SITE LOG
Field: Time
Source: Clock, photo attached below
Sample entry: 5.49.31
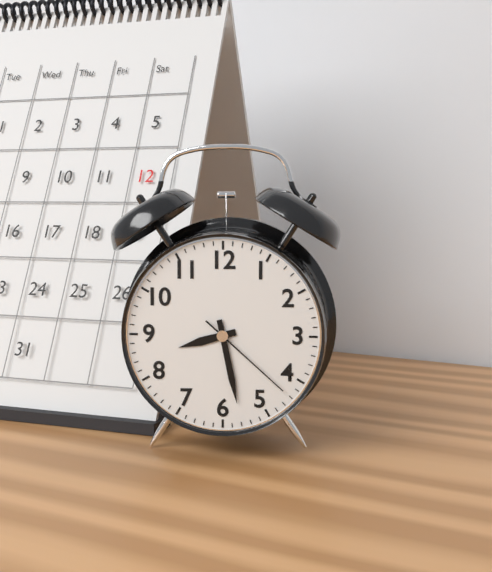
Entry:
8.28.22
